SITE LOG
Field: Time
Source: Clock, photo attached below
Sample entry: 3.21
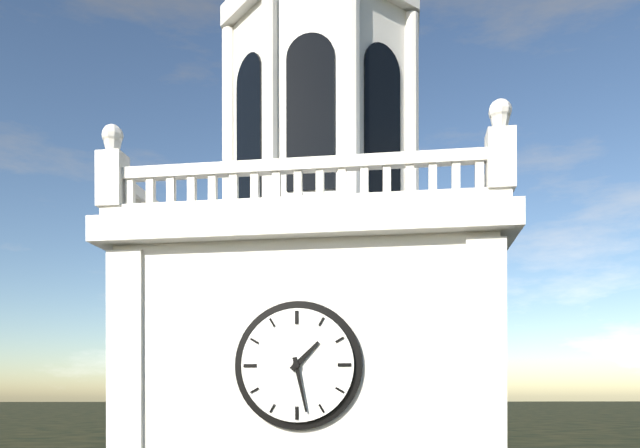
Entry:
1.28
